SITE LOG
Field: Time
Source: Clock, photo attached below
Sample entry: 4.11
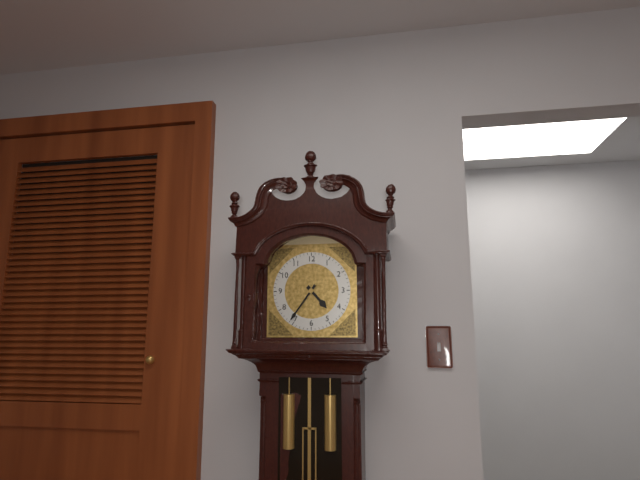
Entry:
4.36
